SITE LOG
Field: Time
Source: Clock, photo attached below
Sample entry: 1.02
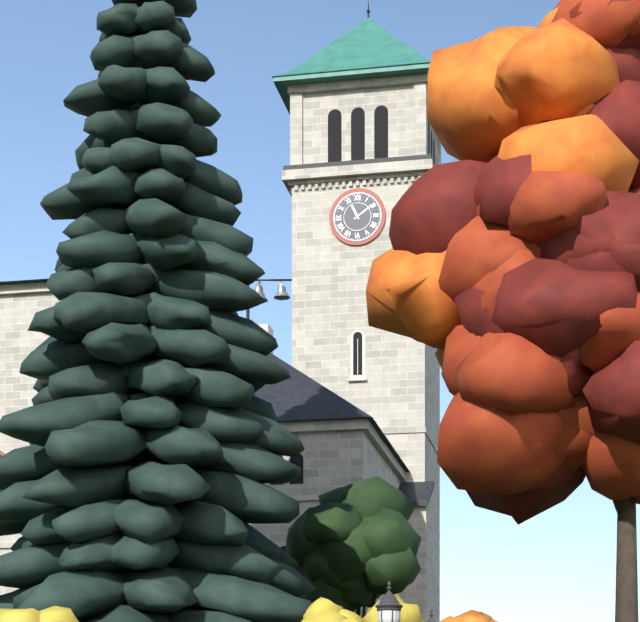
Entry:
11.09
